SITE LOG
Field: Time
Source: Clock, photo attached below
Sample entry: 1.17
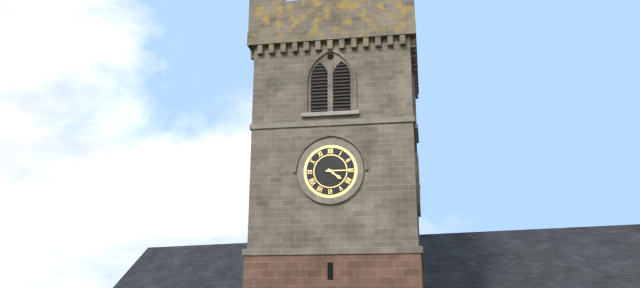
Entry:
4.15
